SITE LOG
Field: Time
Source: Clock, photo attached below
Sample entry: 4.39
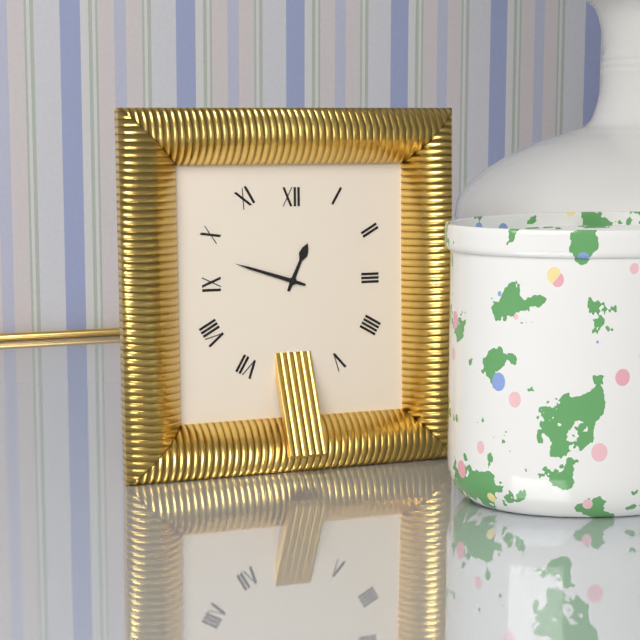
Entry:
12.48
